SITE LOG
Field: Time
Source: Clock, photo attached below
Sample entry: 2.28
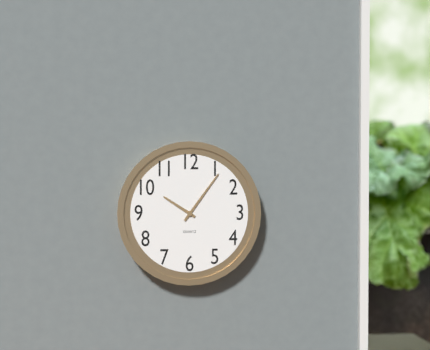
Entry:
10.06
